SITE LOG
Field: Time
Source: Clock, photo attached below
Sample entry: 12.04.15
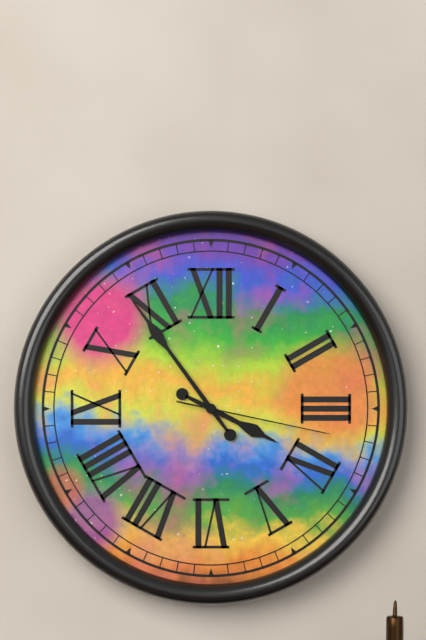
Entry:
3.54.17
